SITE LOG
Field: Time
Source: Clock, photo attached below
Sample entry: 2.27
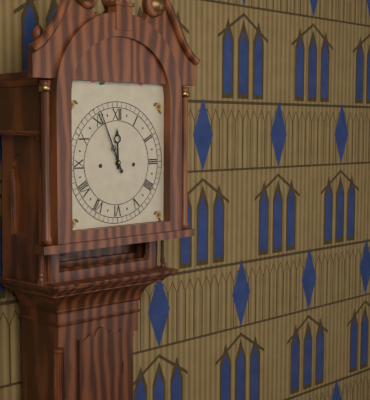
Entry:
11.56
